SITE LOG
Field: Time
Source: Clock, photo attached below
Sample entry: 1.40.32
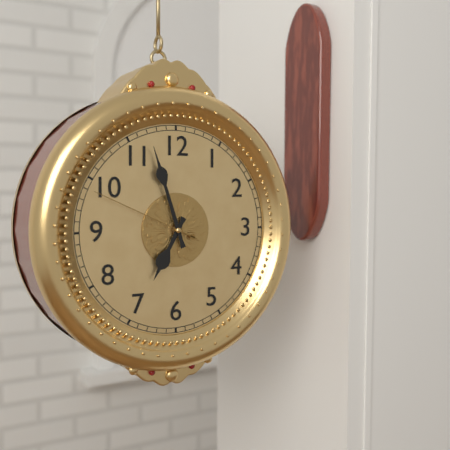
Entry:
6.57.49
